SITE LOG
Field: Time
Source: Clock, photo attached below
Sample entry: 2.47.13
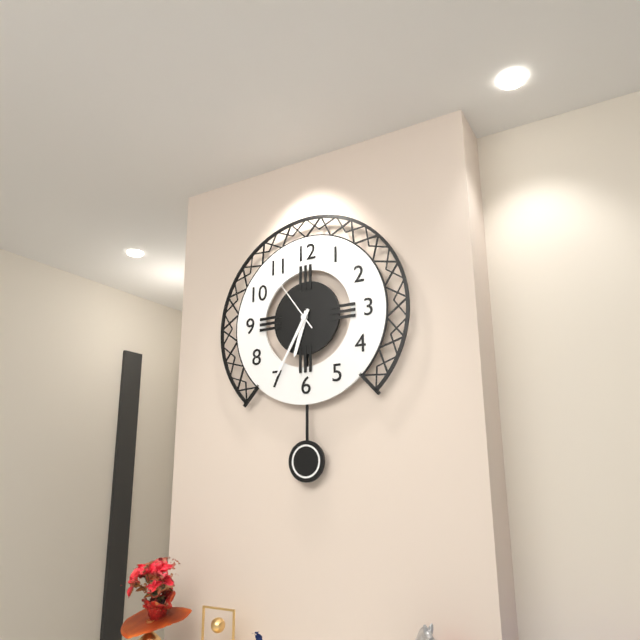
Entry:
6.35.54
